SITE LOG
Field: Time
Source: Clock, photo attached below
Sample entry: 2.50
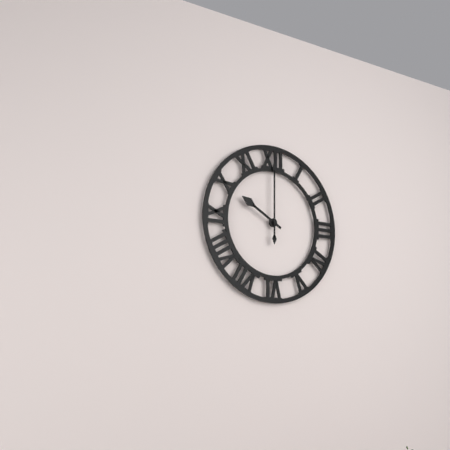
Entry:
10.00
